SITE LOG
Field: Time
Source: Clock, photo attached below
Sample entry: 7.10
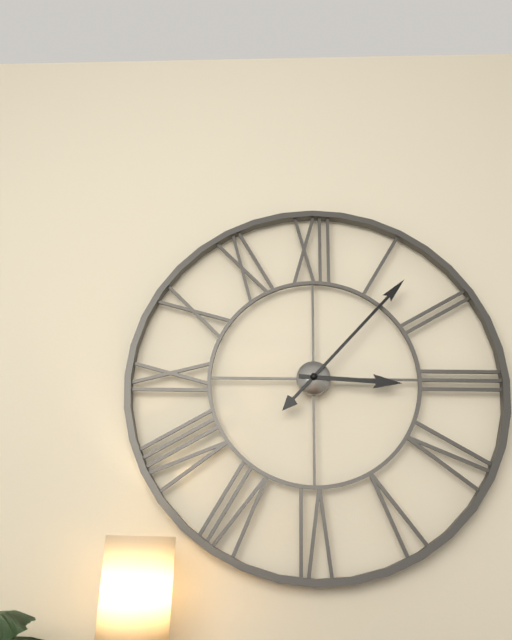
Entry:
3.07
